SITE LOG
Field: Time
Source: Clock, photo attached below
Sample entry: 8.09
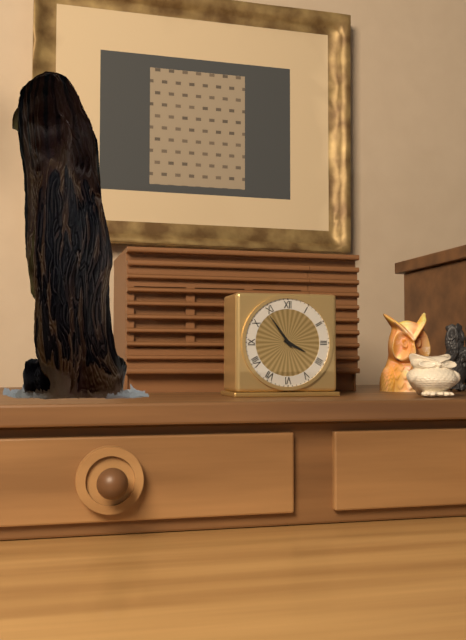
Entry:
3.54
